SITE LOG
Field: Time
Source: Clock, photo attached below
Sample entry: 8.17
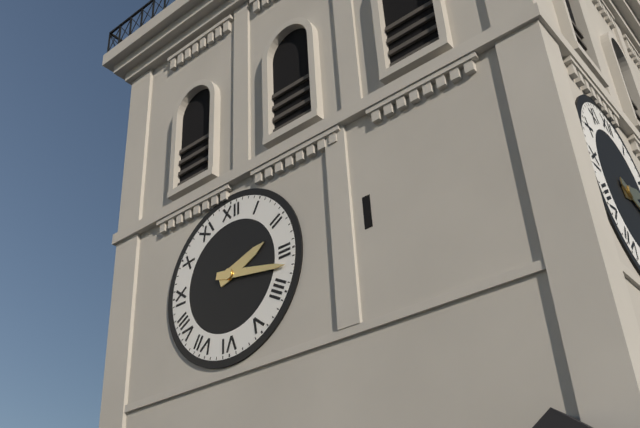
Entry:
2.17
